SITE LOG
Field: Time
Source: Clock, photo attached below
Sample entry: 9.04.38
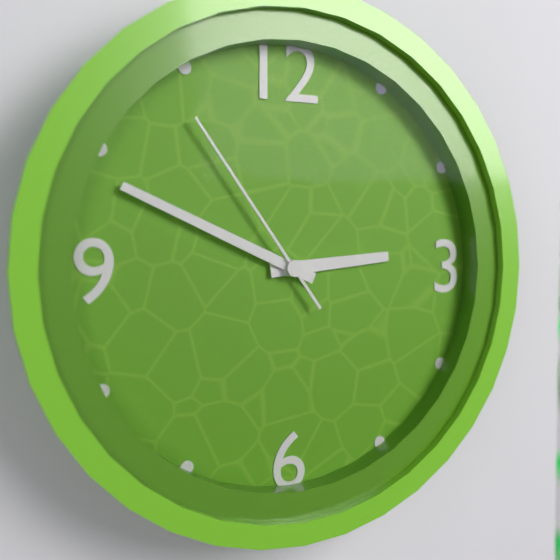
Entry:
2.49.54
